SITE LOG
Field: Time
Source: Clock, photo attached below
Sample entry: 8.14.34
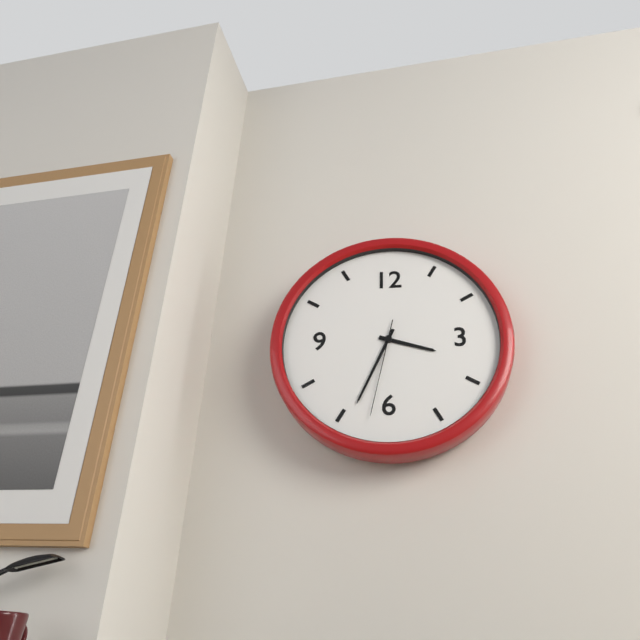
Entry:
3.34.32
